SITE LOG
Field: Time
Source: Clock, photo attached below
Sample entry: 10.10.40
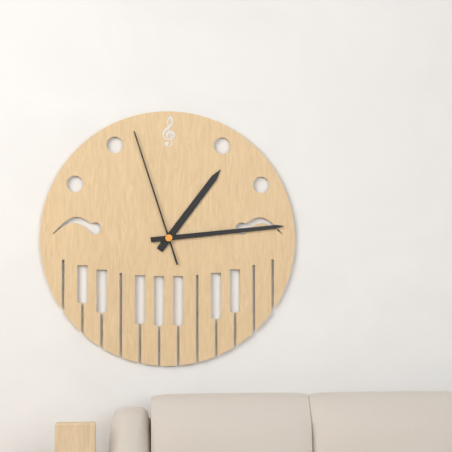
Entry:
1.14.57
